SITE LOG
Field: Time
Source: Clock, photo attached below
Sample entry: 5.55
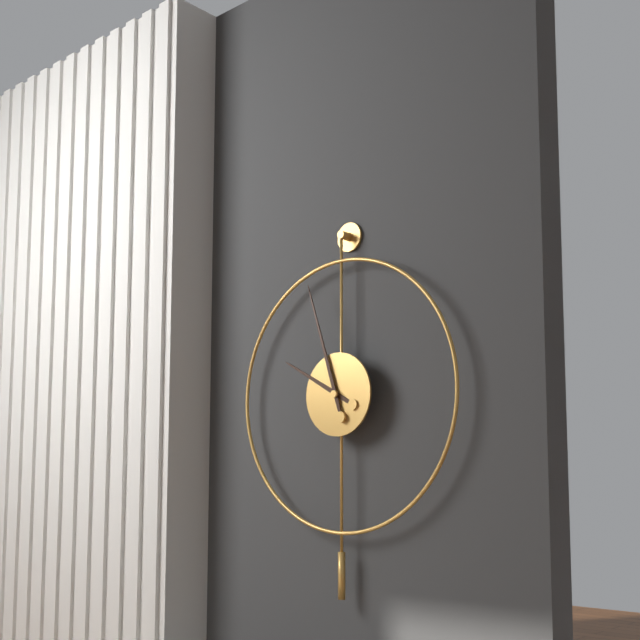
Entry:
9.57
